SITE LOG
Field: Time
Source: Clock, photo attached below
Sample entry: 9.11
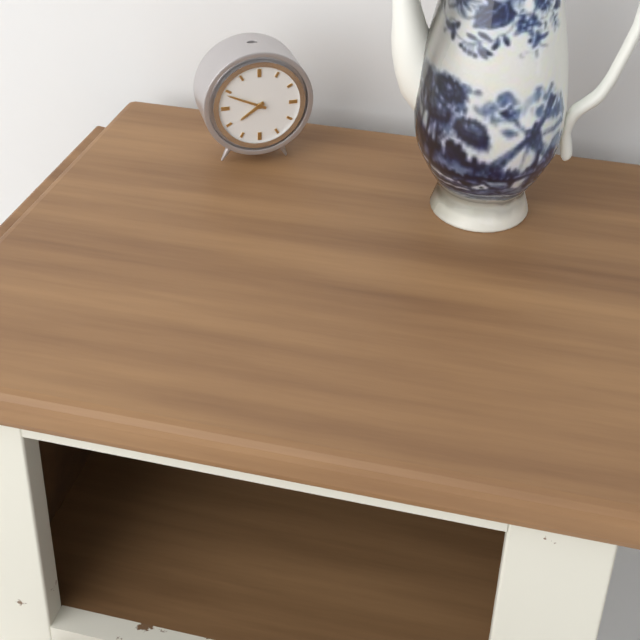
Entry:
7.49
